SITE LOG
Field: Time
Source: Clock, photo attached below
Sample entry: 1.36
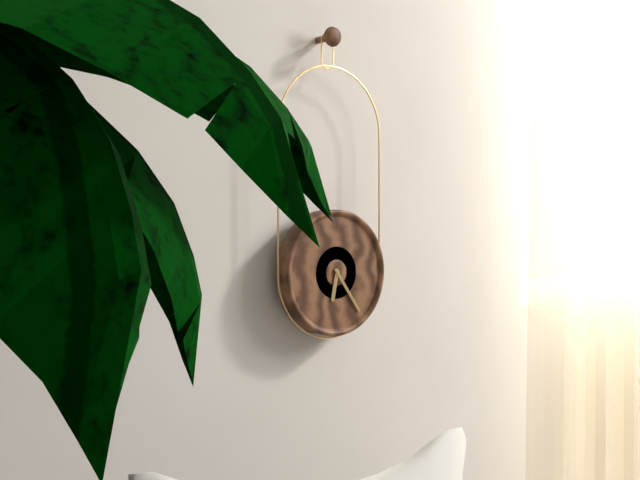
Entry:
6.24
